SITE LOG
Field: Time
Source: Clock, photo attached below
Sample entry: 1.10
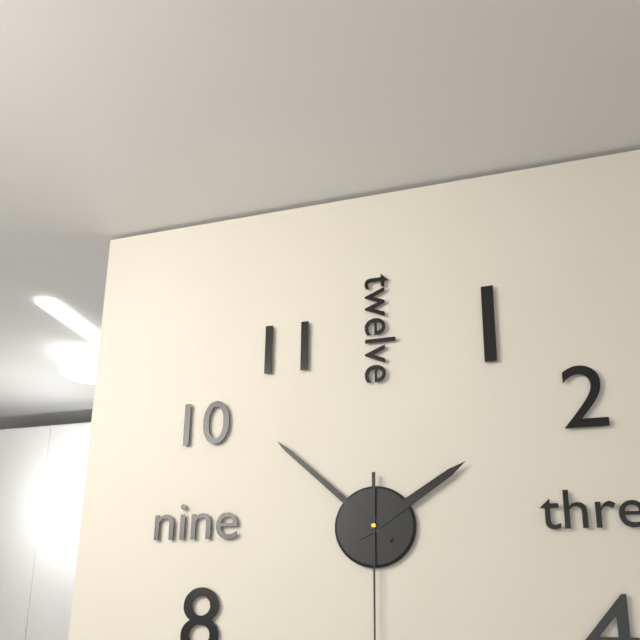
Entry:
1.52
